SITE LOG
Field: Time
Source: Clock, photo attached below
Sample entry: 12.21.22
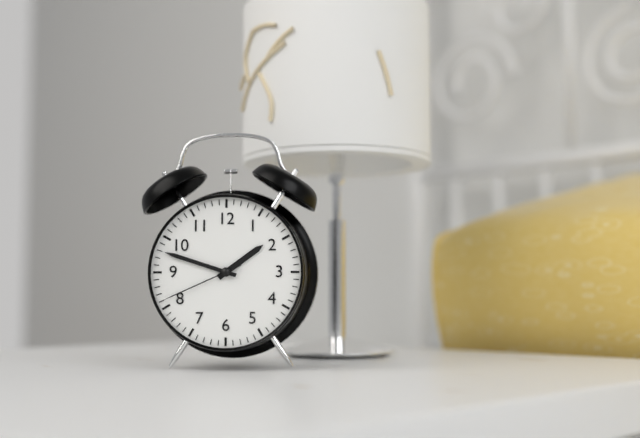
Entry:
1.48.41
